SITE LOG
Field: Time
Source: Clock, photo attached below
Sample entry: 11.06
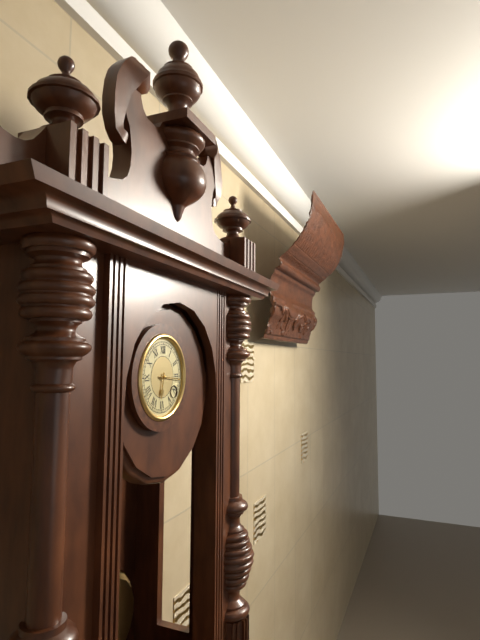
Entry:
6.16
